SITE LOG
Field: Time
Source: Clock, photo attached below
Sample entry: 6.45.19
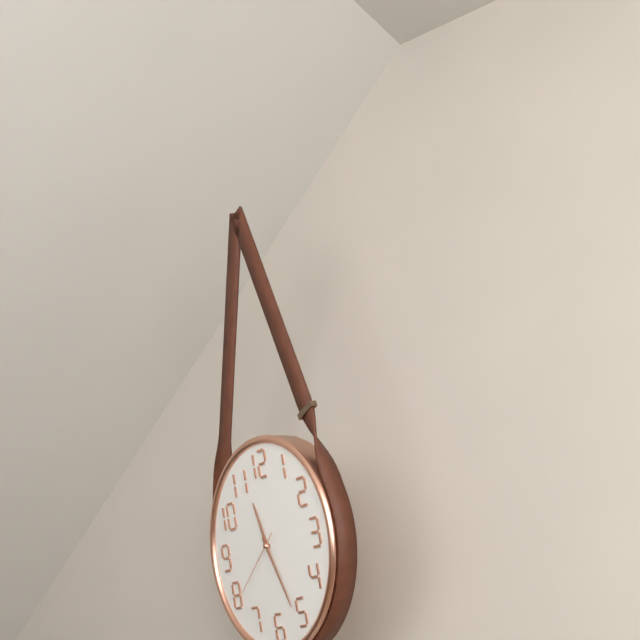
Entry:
11.26.39
